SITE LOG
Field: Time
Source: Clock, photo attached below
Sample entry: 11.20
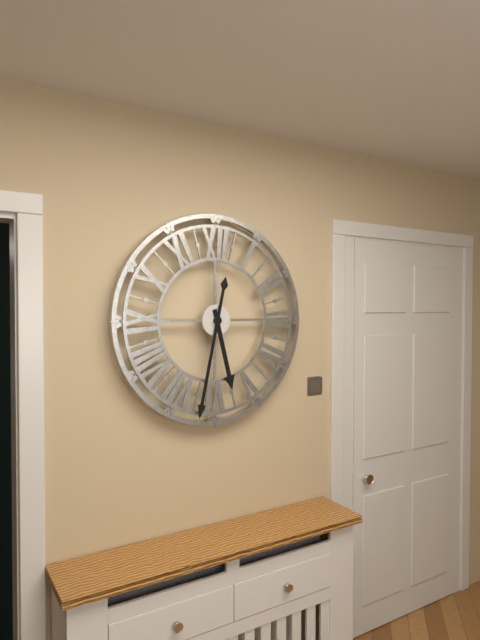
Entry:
5.32
